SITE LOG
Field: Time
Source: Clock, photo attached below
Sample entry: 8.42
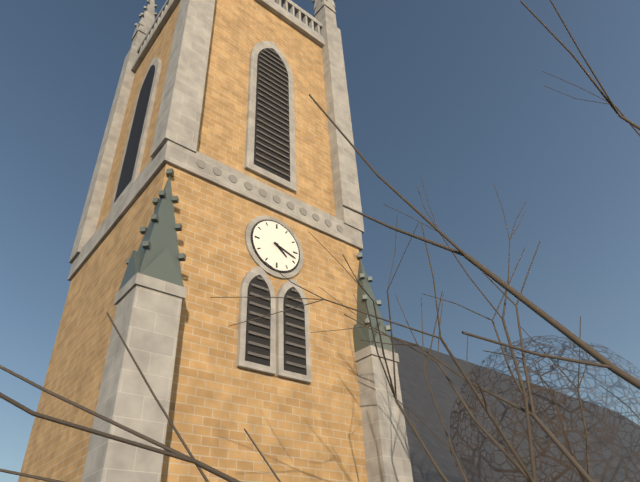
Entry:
4.18
